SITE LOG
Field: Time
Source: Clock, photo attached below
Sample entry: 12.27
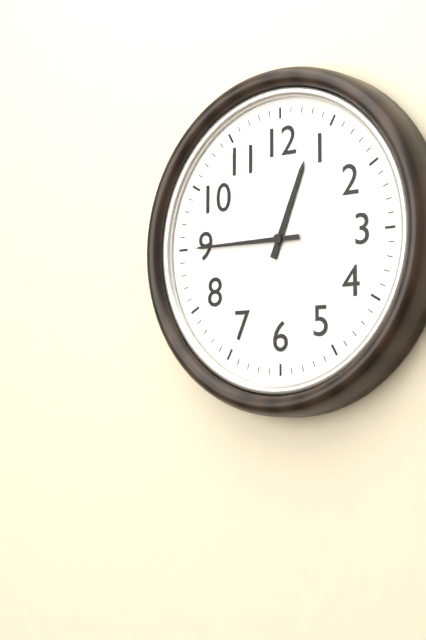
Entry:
12.45
